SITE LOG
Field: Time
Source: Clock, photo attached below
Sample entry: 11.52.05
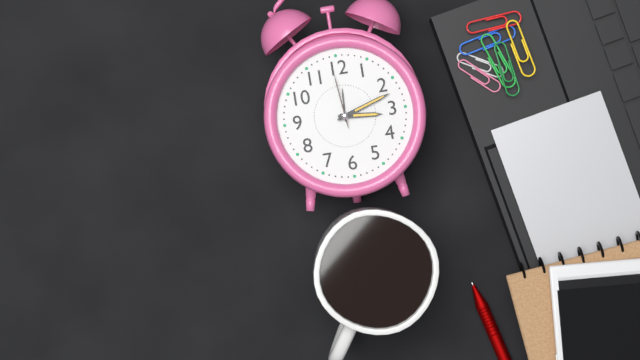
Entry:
3.12.59
